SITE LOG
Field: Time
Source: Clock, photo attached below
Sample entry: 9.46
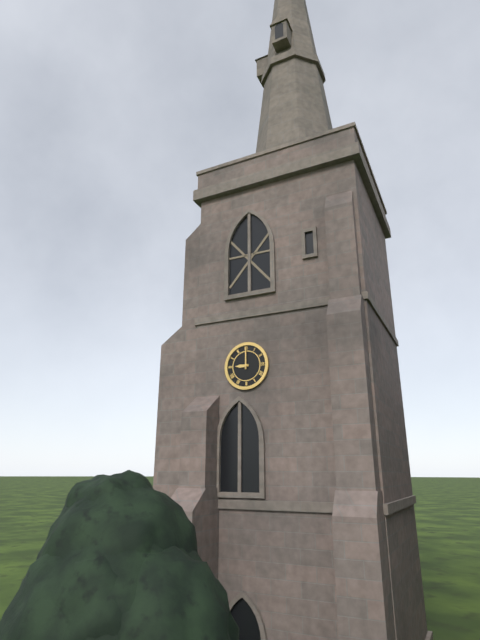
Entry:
9.00
